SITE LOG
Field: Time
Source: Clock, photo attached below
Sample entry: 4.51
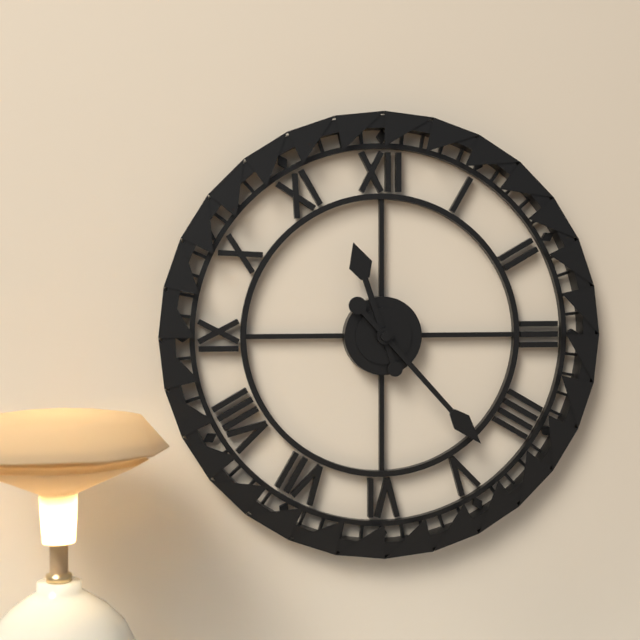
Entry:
11.23
